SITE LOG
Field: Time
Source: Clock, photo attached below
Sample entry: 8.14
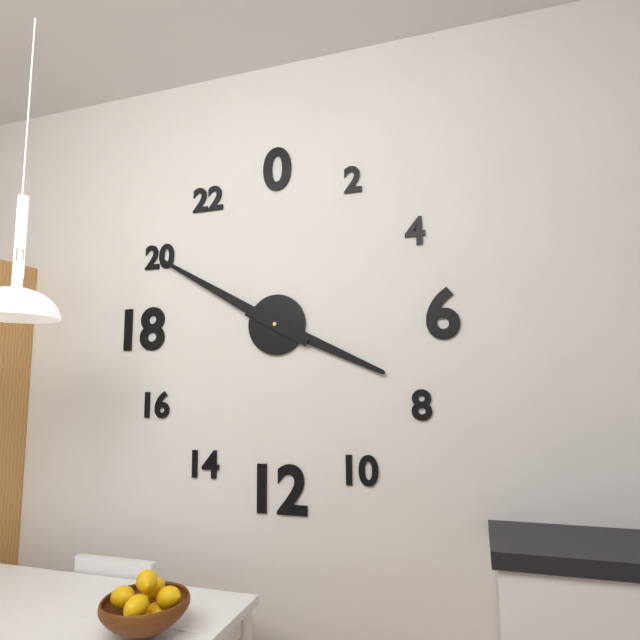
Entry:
3.50
